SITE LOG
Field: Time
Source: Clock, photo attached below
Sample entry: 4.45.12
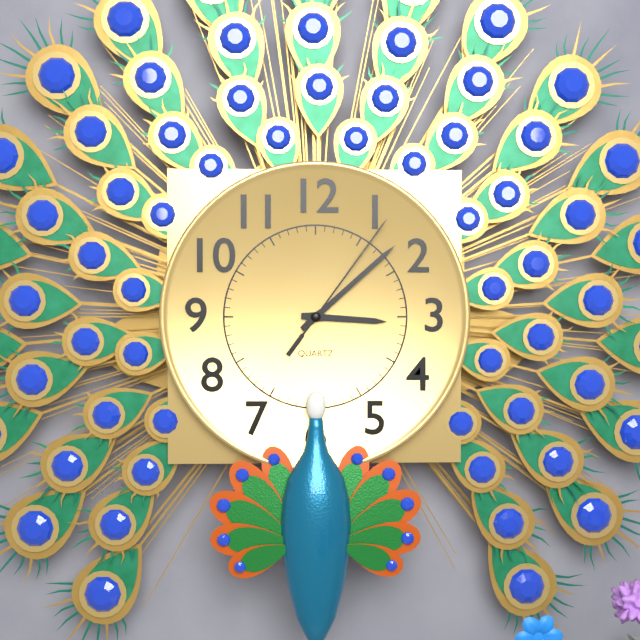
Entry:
3.08.06
